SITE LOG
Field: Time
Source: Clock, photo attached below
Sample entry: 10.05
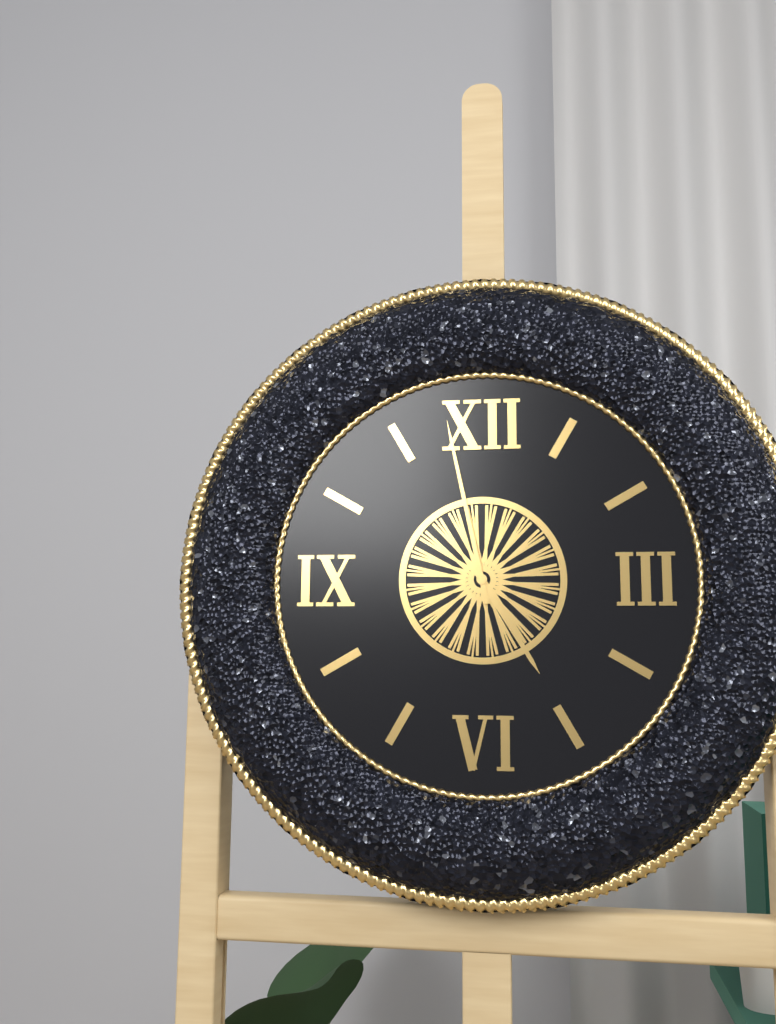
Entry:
4.58
